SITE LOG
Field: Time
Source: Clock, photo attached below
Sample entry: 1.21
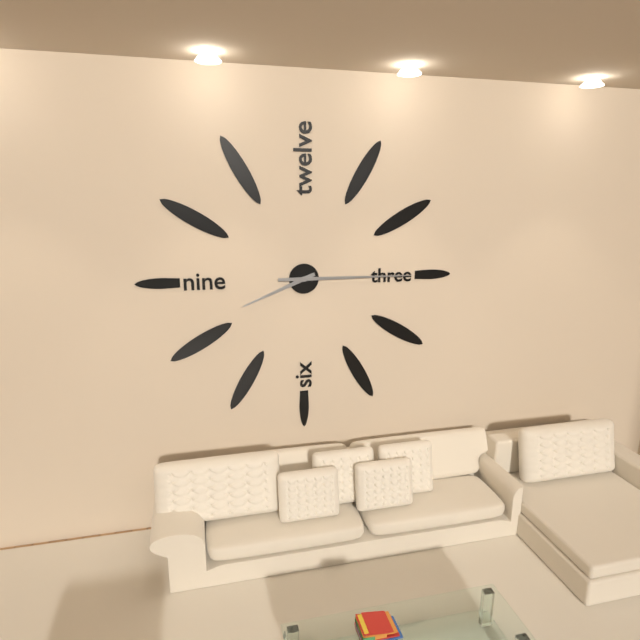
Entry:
8.15
